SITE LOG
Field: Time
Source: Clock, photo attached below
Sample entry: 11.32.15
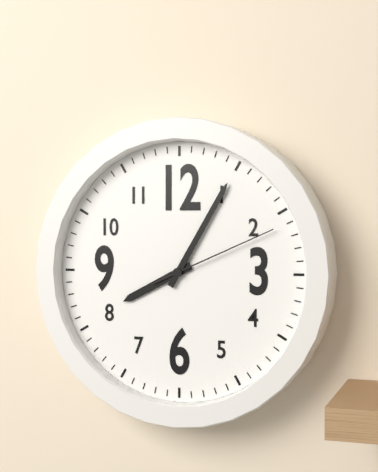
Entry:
8.05.11
